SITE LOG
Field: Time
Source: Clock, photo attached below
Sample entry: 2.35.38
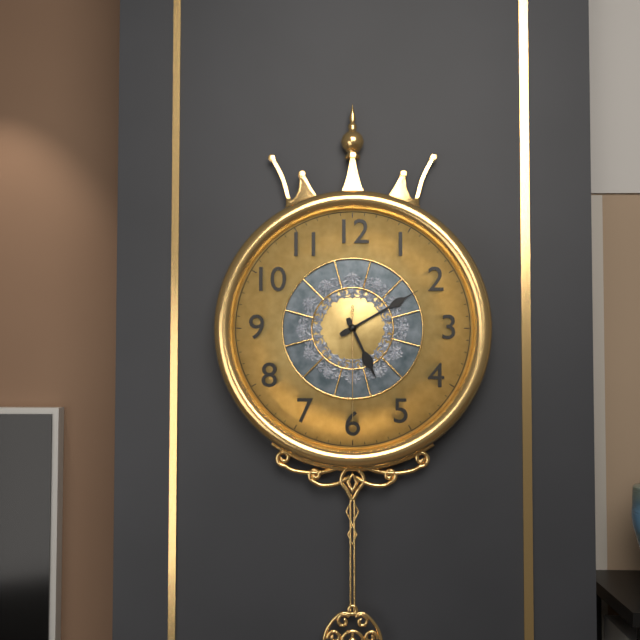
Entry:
5.10.30
